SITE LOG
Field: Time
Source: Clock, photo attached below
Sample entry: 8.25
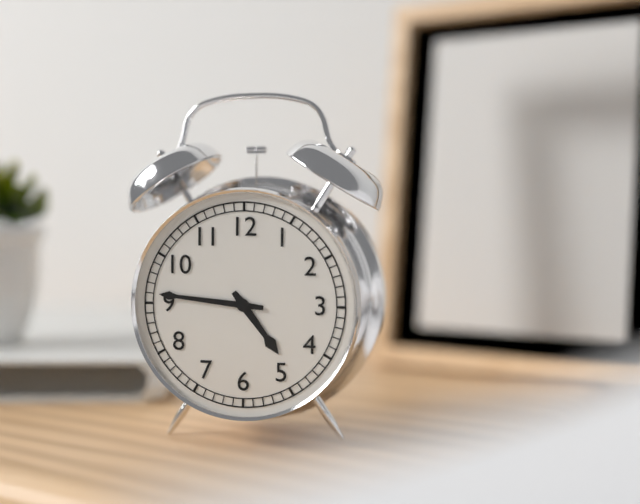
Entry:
4.46
